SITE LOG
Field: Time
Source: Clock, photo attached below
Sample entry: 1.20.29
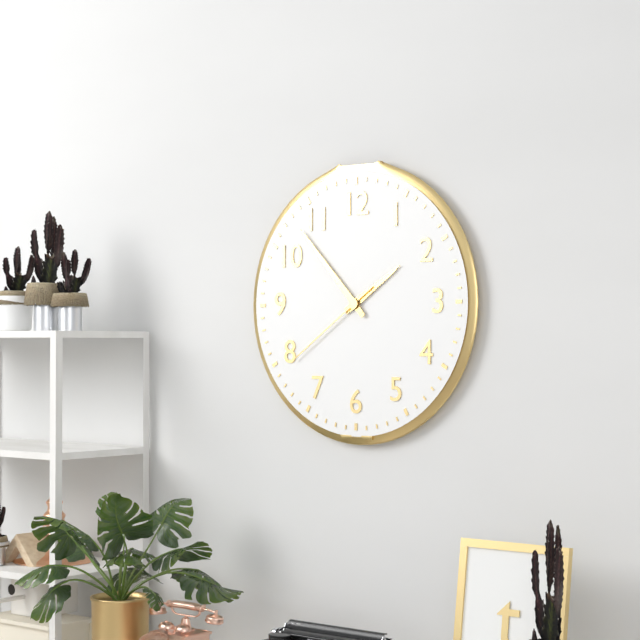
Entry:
1.53.39
